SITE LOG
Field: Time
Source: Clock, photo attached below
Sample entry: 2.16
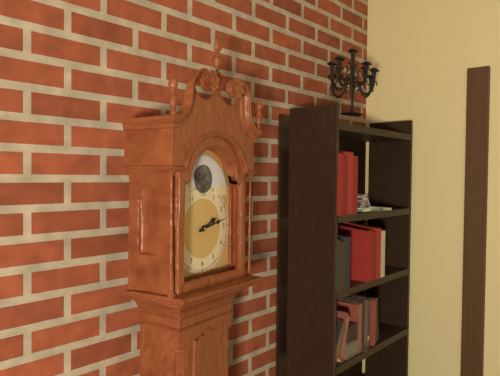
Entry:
2.13
